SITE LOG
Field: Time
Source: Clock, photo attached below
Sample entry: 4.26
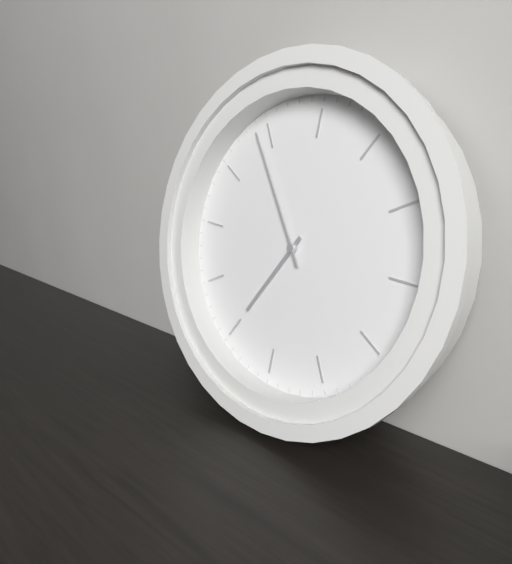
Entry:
7.59
